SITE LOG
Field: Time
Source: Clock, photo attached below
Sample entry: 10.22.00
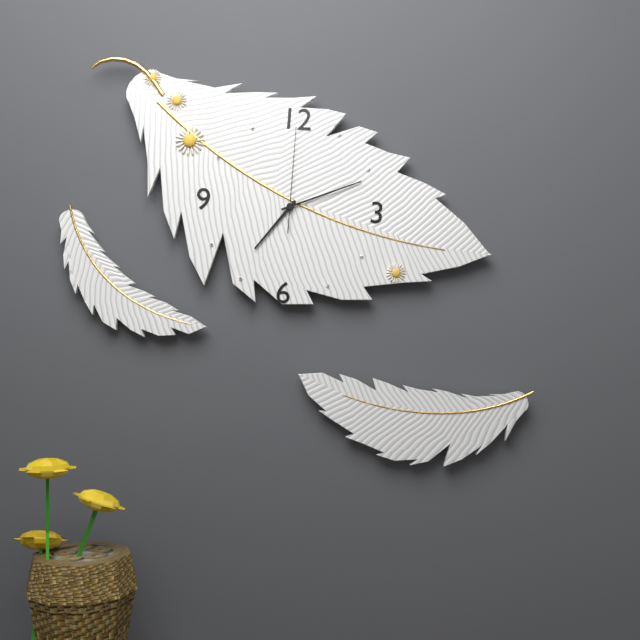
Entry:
7.11.00
